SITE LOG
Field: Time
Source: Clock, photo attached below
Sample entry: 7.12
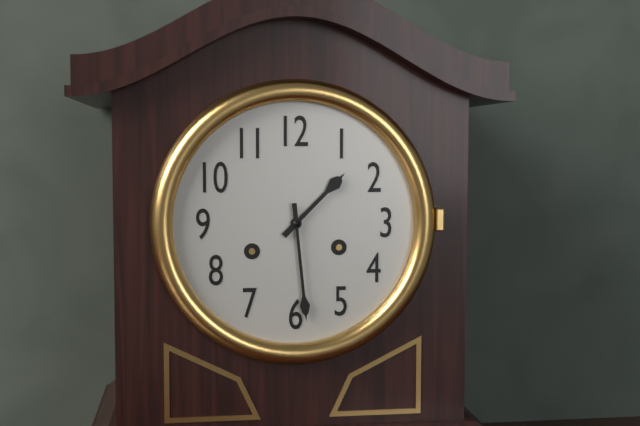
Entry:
1.29
